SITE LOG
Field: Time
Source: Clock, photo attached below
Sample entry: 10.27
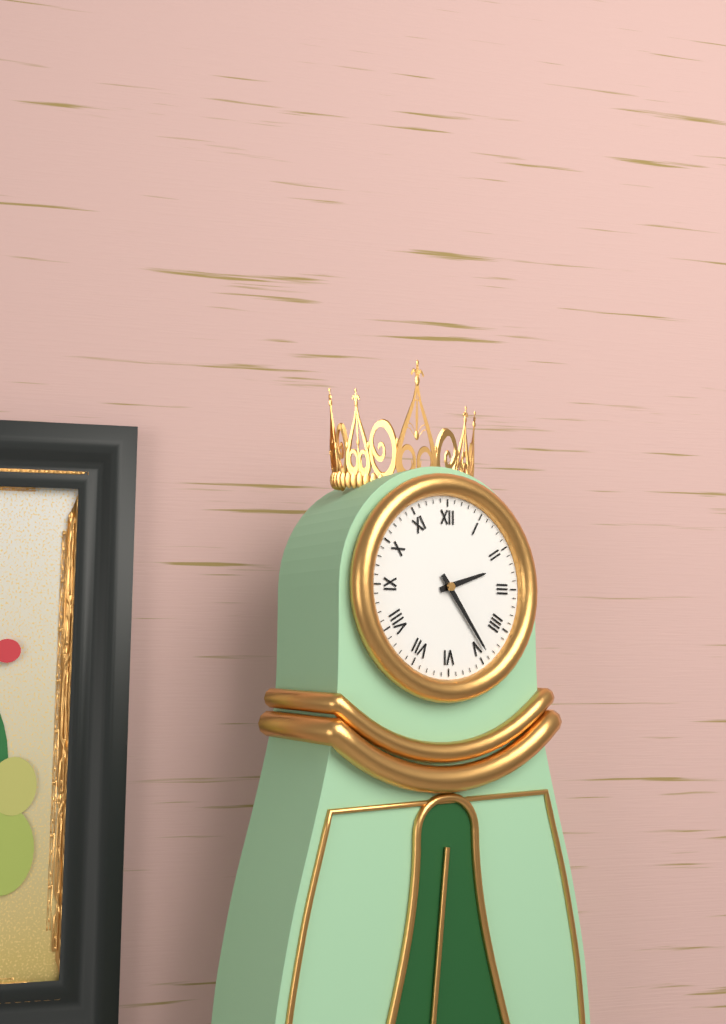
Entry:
2.24
